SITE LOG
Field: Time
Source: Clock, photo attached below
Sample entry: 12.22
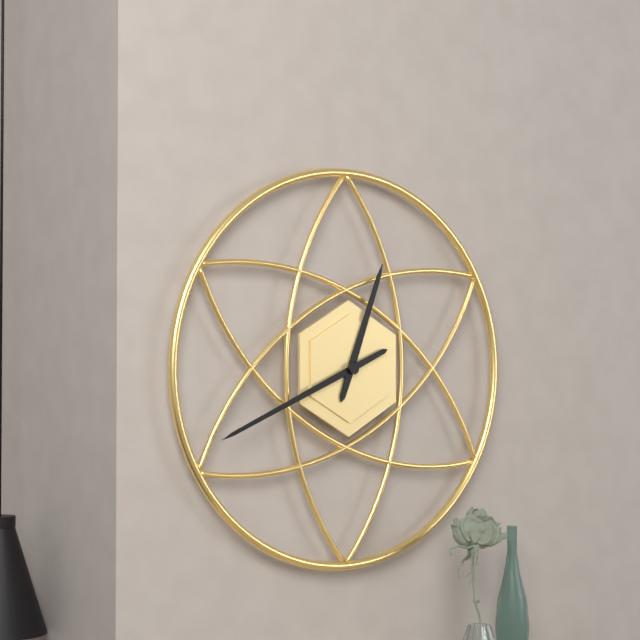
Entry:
12.41
